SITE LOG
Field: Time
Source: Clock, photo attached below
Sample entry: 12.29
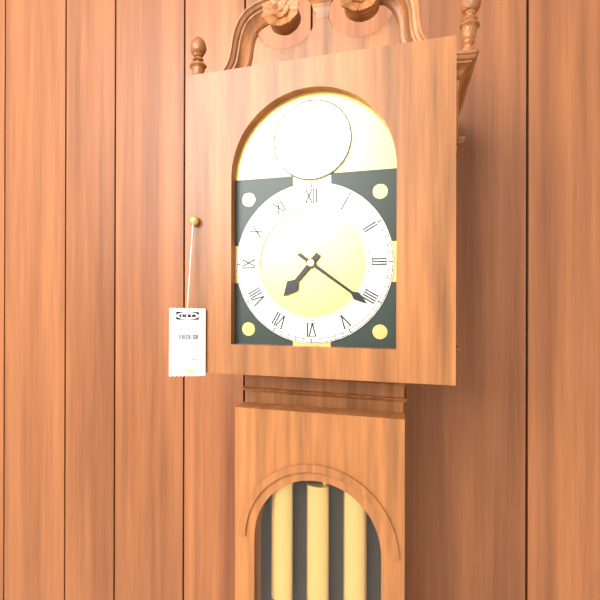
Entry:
7.21
